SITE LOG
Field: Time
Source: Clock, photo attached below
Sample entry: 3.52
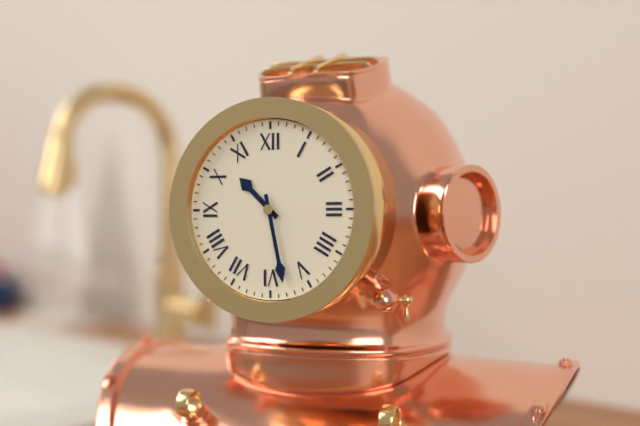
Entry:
10.28
